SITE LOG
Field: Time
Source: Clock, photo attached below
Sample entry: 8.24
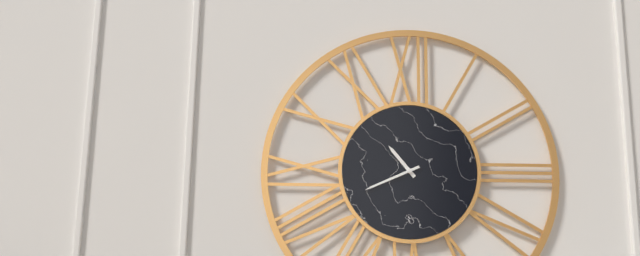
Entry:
10.41
